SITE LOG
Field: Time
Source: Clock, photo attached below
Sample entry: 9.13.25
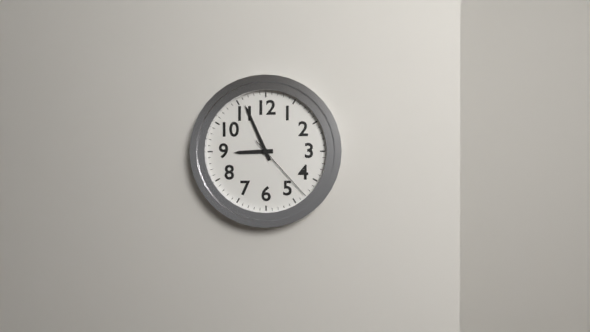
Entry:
8.56.23
